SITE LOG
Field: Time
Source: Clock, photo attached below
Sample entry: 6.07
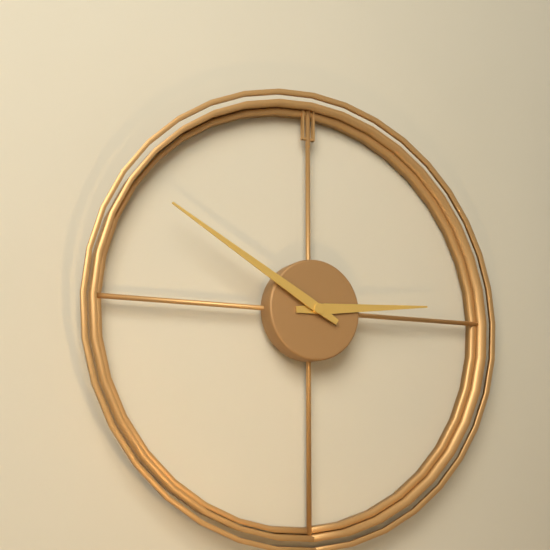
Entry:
2.50
